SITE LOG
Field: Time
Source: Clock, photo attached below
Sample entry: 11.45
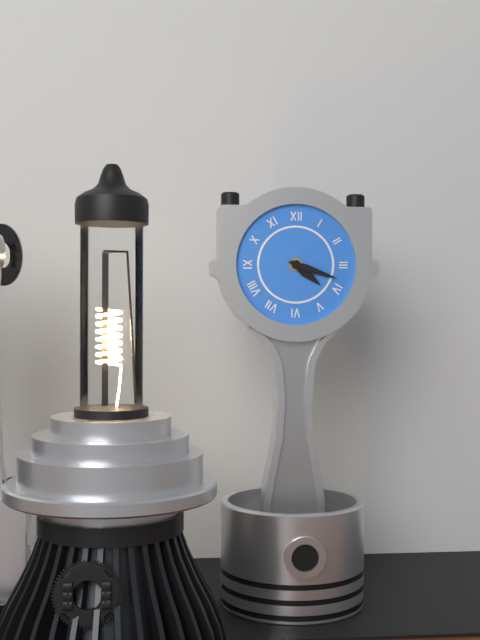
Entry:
4.18
